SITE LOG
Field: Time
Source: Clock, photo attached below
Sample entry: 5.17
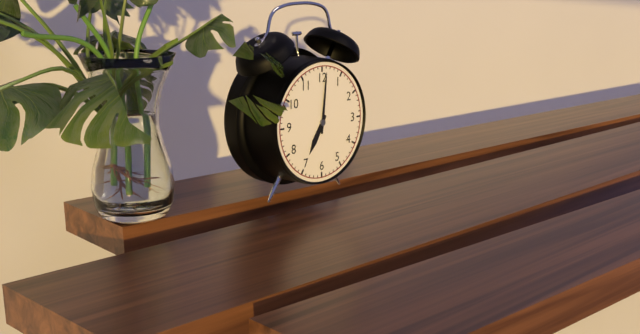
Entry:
7.01
